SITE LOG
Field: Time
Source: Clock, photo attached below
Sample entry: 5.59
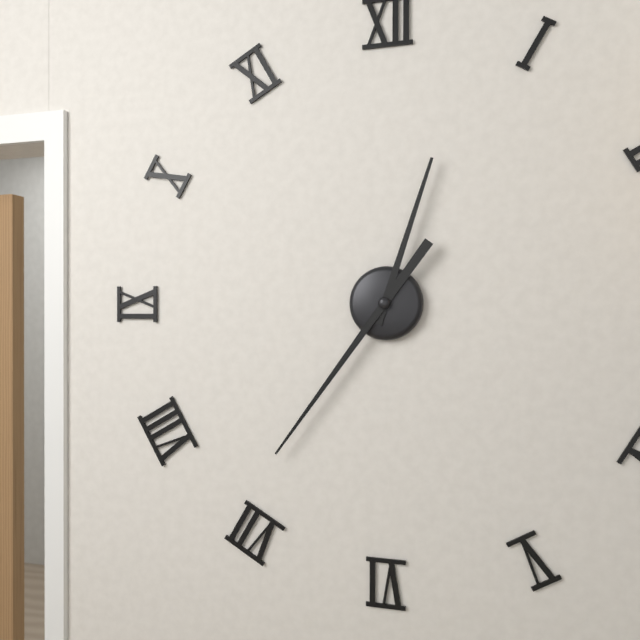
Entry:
12.36
